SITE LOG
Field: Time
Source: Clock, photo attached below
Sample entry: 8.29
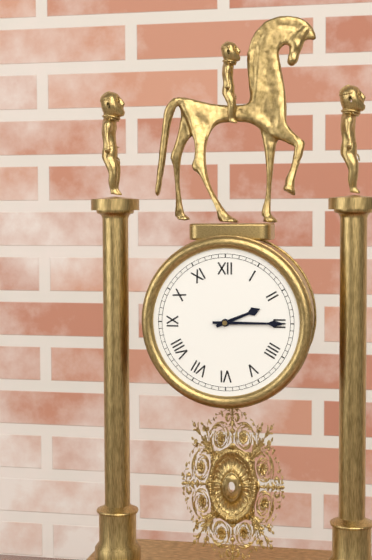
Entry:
2.15
